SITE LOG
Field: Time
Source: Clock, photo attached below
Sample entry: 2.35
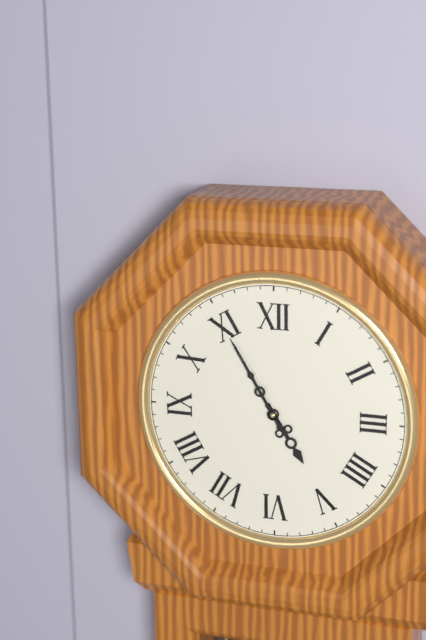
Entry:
4.55
